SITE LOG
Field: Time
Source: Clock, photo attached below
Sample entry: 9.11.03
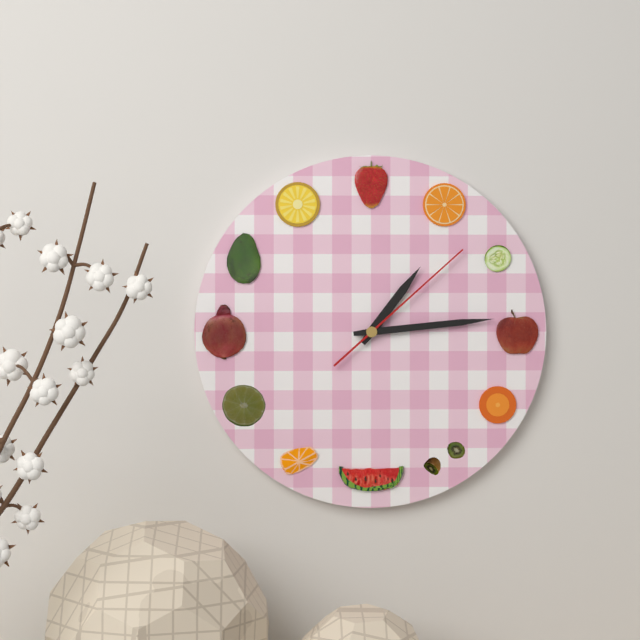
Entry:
1.14.08
